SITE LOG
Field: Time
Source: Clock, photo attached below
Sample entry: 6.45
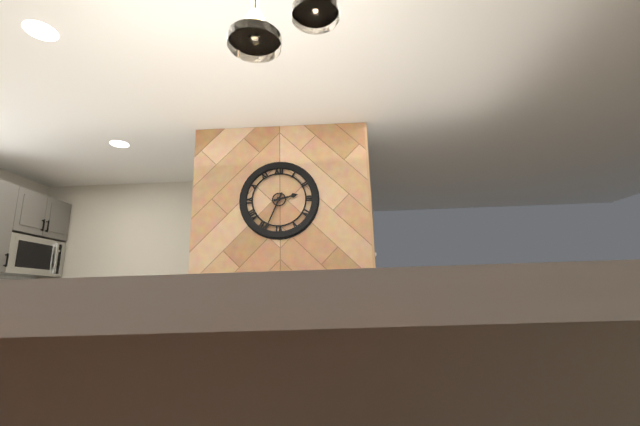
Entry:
2.34
